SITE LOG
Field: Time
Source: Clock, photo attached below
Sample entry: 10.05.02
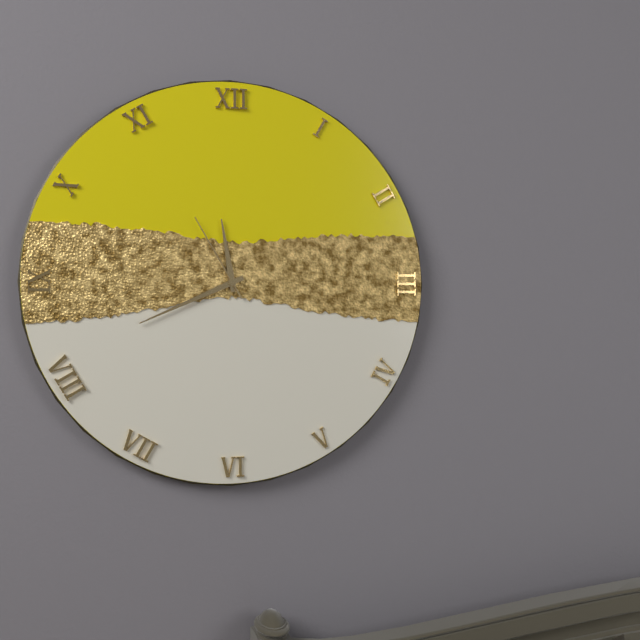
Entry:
11.41.55
